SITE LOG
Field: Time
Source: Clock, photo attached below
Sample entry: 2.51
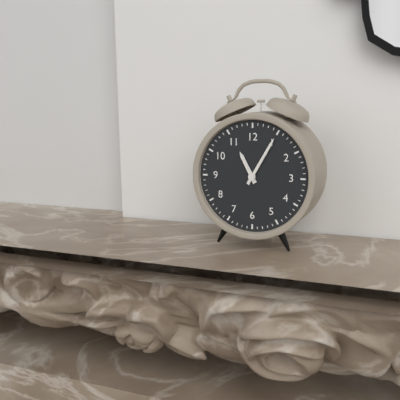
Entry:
11.05
